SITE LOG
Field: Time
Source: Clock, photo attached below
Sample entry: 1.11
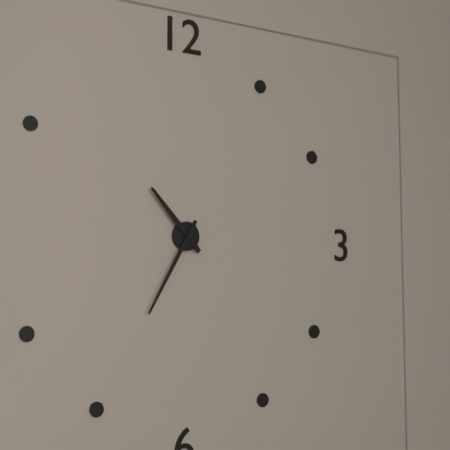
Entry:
10.35
